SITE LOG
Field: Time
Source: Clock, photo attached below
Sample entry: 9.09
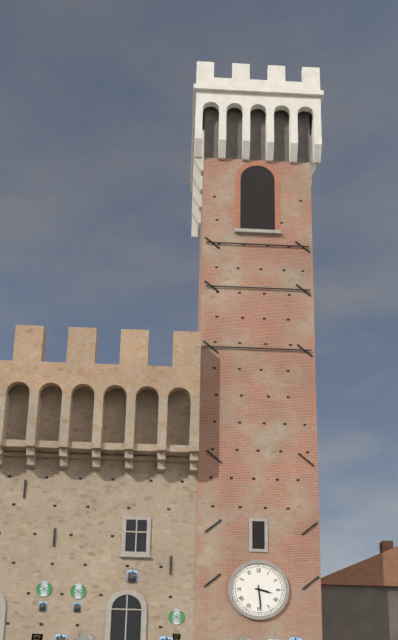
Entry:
3.29
